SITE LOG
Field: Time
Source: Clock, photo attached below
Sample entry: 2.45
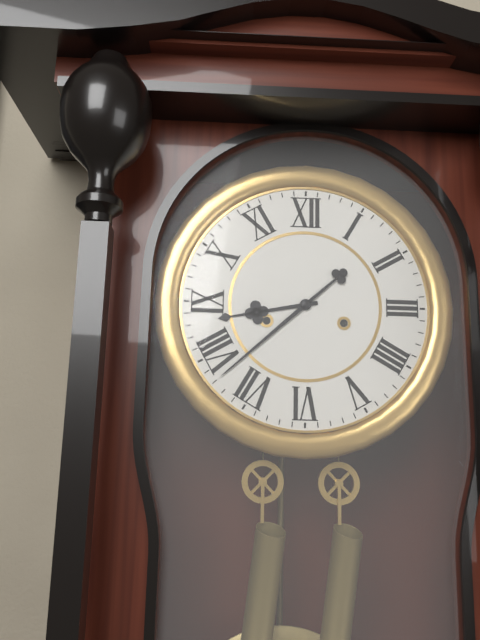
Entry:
8.38
